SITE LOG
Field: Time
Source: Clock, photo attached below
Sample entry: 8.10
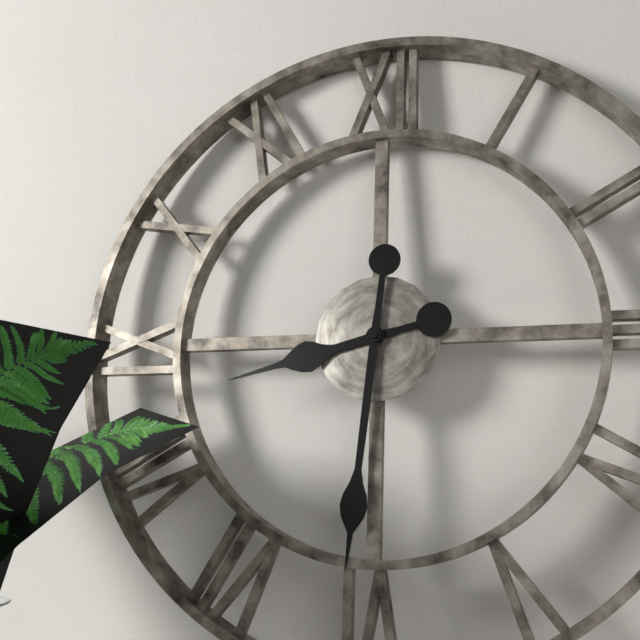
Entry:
8.31
